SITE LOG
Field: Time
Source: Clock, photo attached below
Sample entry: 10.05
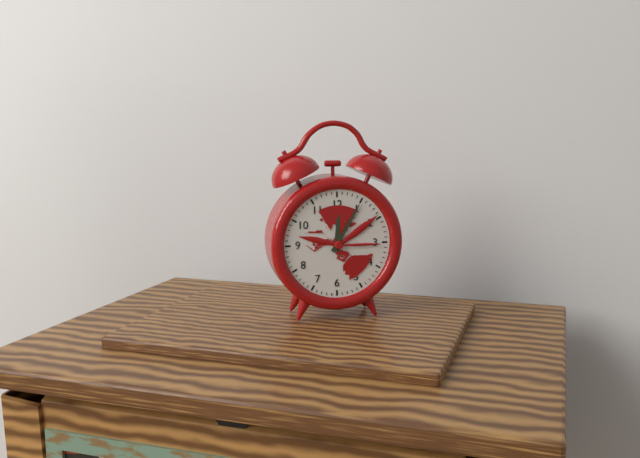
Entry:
12.05
